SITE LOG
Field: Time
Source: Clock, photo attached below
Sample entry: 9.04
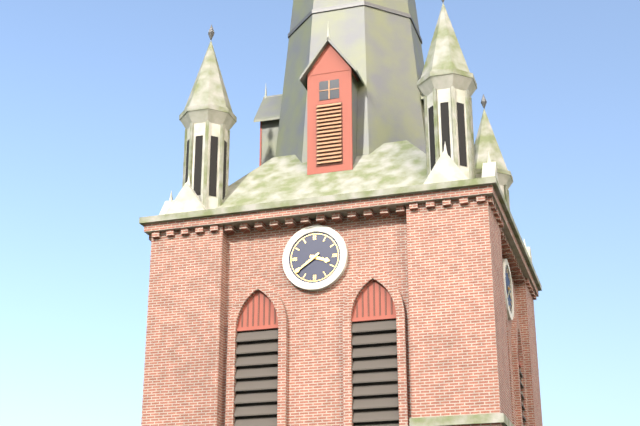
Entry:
3.39
